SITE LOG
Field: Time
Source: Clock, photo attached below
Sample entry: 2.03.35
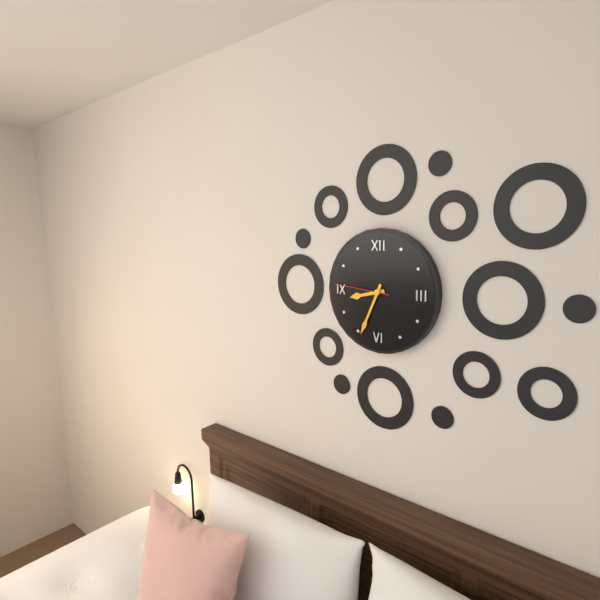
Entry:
8.34.46
